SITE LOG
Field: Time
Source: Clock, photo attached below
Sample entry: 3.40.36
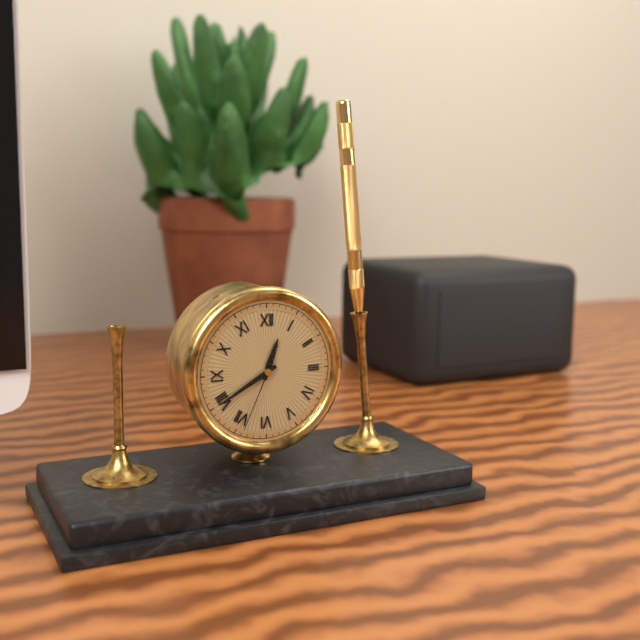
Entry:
12.40.34
